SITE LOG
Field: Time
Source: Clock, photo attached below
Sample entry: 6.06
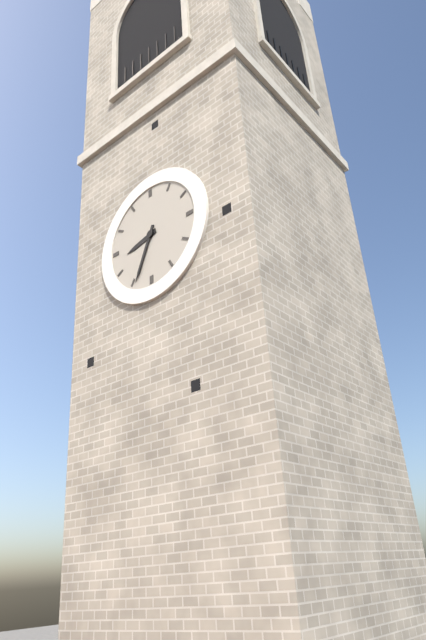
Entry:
8.34
